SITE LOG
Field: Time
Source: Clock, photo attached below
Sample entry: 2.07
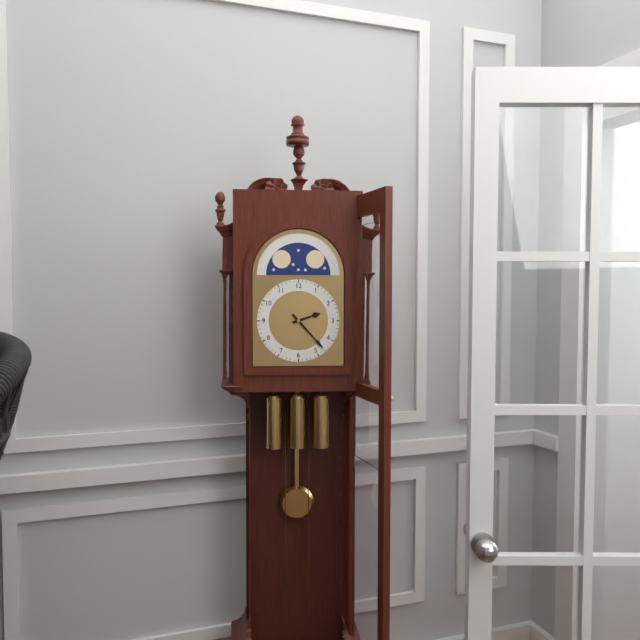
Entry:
2.23
